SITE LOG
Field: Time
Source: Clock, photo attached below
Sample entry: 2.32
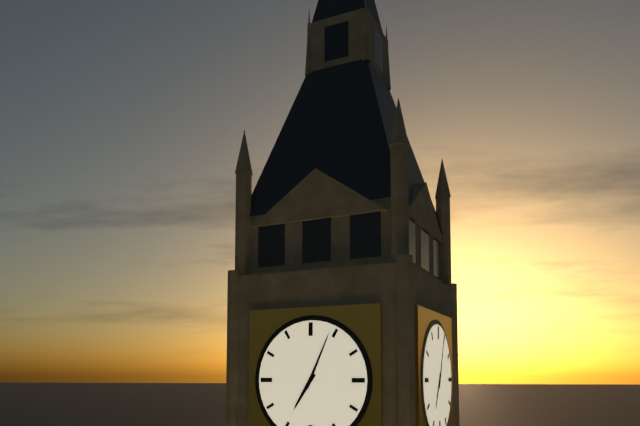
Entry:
7.04
